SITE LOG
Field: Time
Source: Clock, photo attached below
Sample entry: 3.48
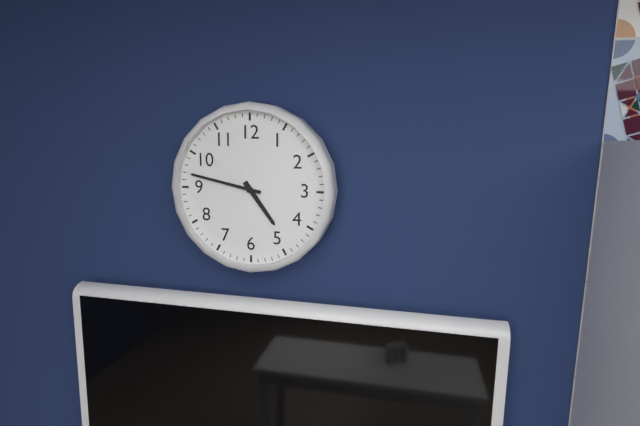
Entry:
4.47
